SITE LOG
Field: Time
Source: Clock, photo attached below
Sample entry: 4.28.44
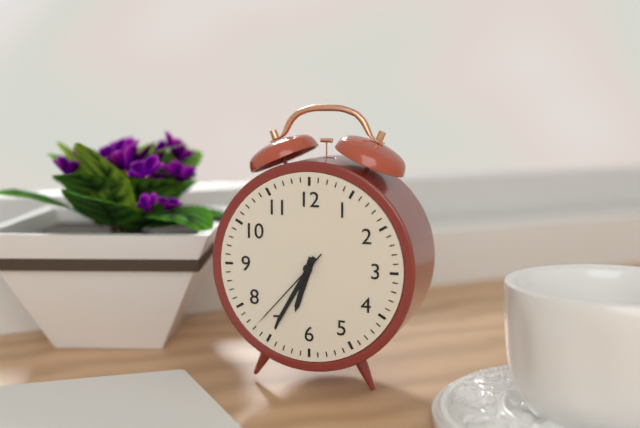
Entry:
6.35.37
